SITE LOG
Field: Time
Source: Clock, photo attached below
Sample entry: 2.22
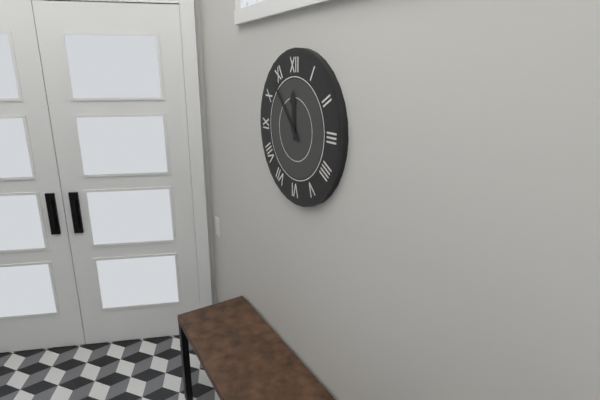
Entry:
11.53
